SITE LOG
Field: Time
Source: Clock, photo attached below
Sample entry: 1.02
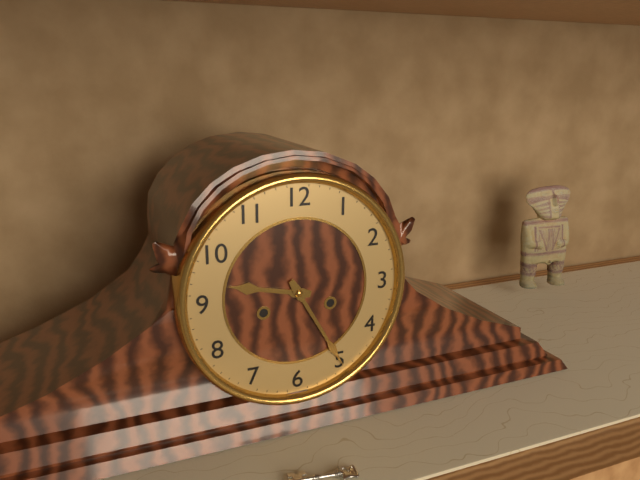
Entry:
9.25
